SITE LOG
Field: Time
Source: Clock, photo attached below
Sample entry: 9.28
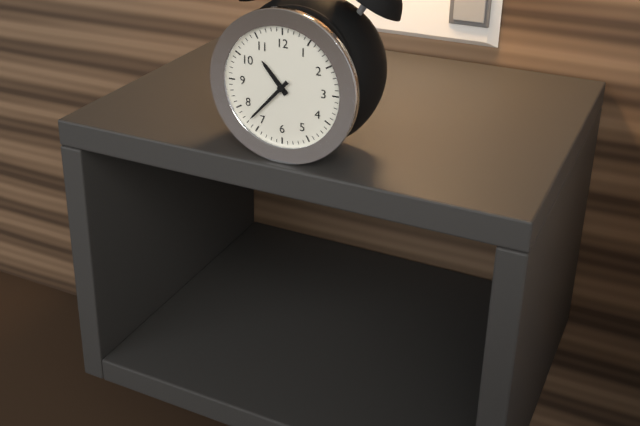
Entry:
10.37
